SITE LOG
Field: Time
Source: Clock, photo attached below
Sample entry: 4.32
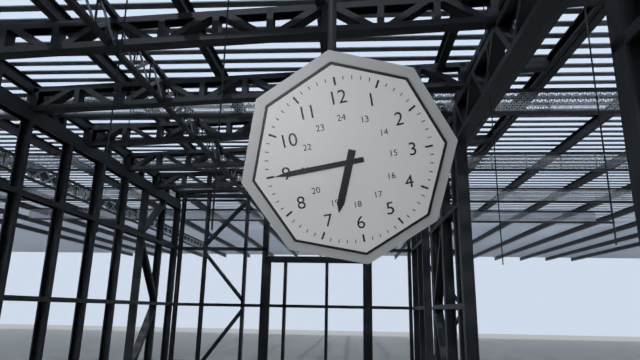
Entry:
6.45
